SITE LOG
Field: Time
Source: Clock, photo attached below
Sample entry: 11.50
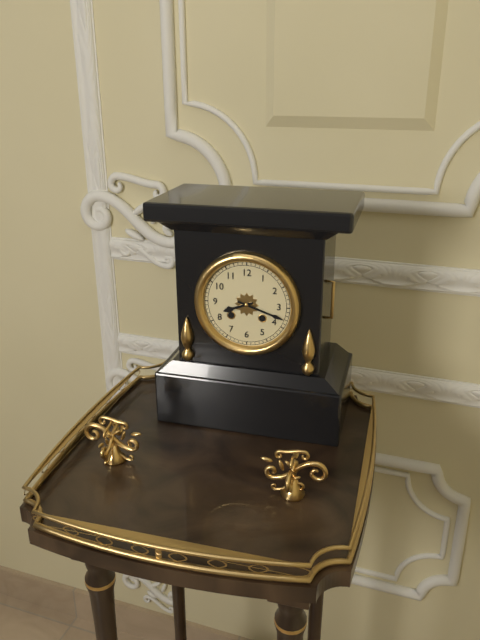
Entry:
8.18
